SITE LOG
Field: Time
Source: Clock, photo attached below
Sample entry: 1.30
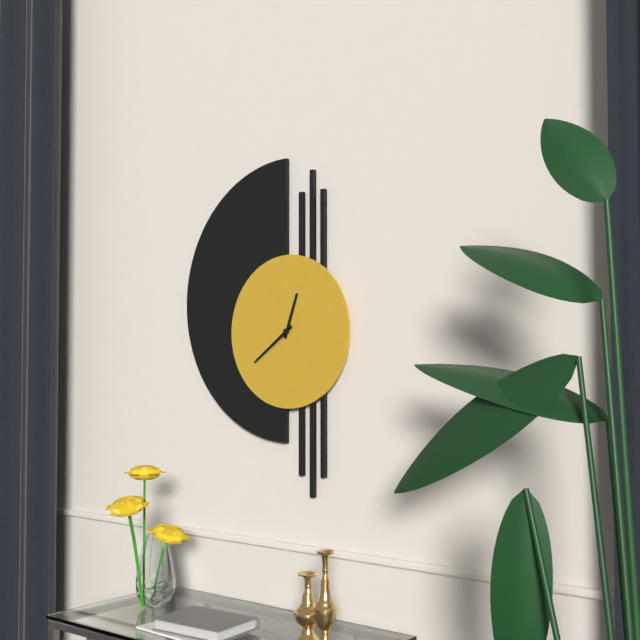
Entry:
12.39
